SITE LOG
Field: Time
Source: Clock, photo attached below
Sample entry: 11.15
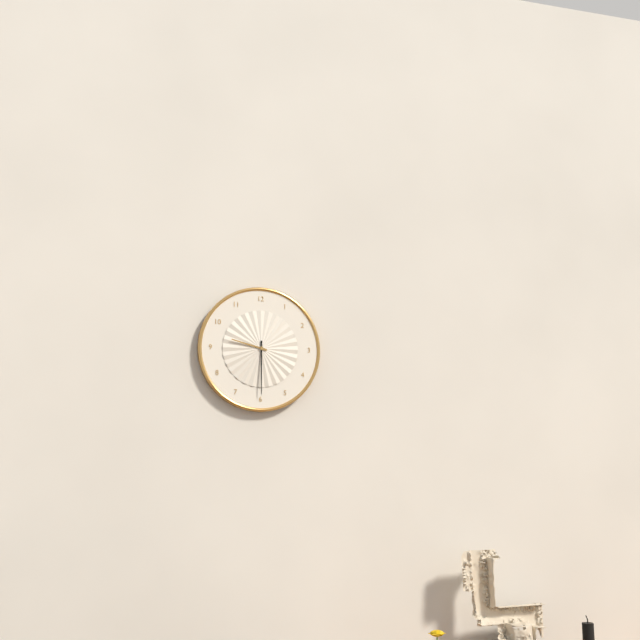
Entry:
9.30
